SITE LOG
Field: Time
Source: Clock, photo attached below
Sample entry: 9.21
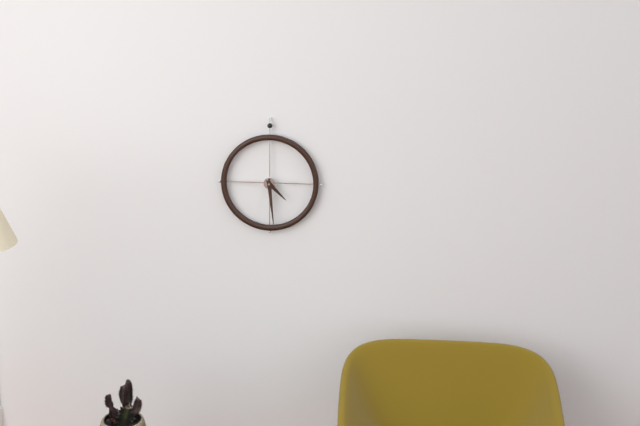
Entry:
4.29
